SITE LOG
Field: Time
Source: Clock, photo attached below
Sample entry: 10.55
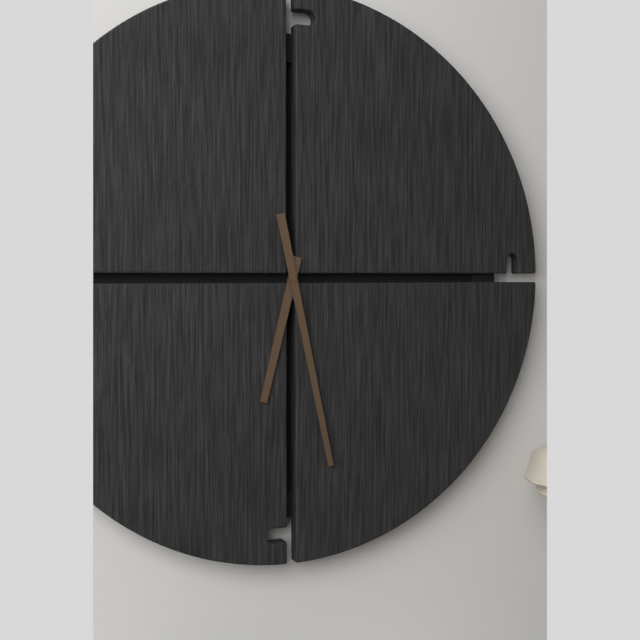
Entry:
6.28
